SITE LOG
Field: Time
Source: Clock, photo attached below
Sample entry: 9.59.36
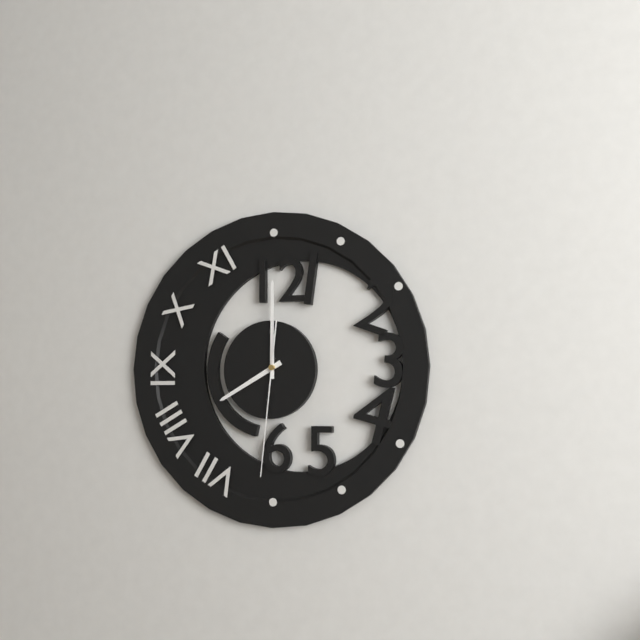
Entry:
8.00.31
